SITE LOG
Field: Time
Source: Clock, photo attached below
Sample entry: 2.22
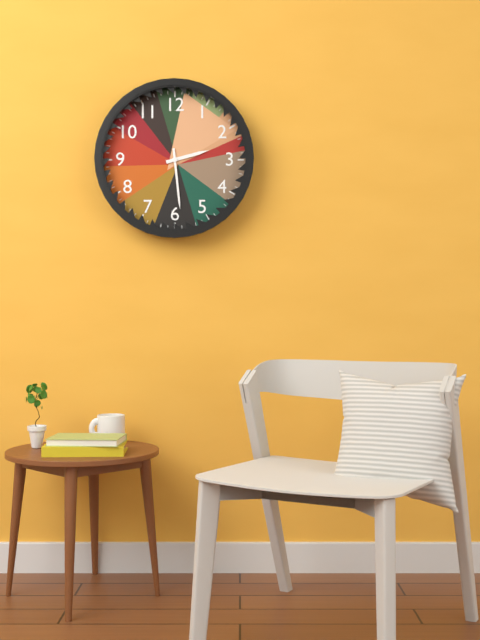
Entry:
2.29
